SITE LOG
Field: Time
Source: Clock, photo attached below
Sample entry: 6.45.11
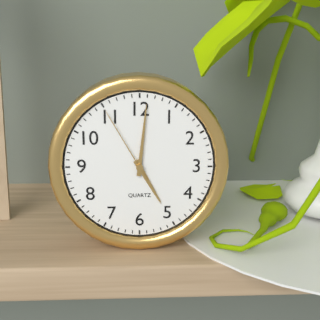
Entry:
5.01.55
